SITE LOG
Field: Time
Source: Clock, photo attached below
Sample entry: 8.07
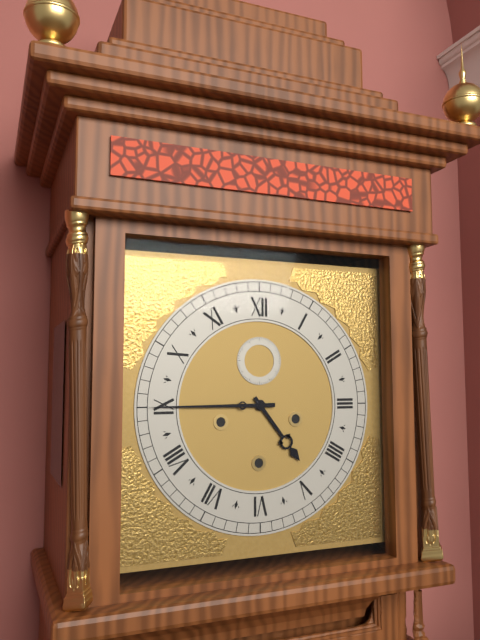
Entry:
4.45
